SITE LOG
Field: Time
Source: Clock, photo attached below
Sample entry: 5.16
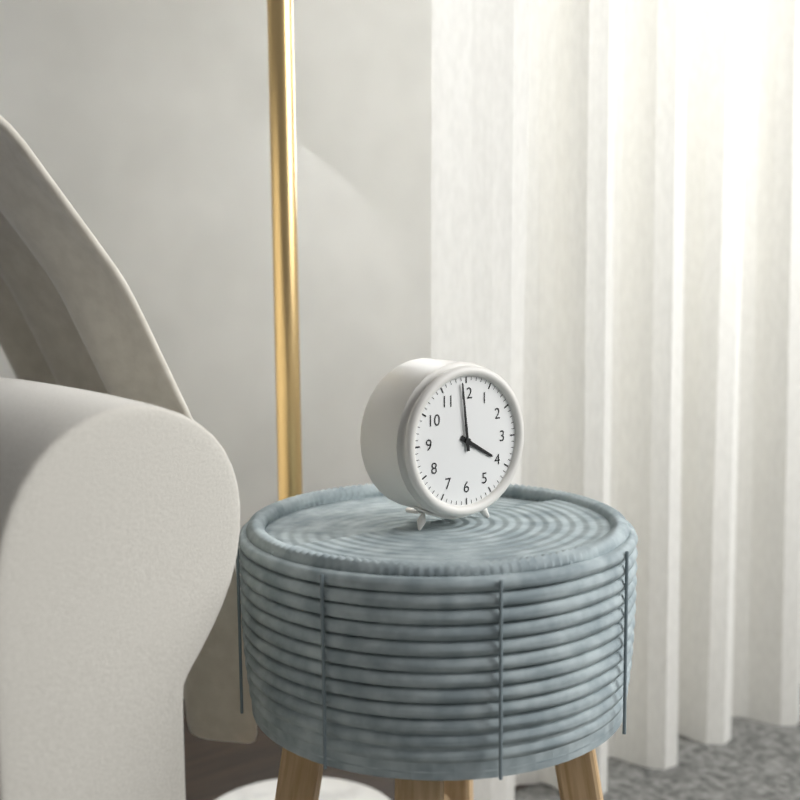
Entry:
3.59
